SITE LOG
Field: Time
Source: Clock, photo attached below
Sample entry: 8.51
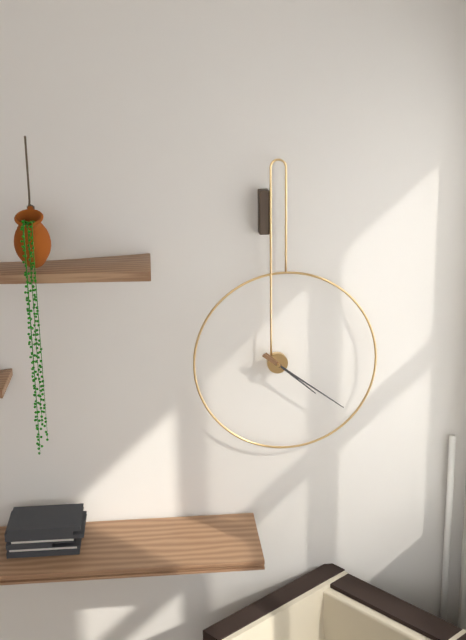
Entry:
4.21
